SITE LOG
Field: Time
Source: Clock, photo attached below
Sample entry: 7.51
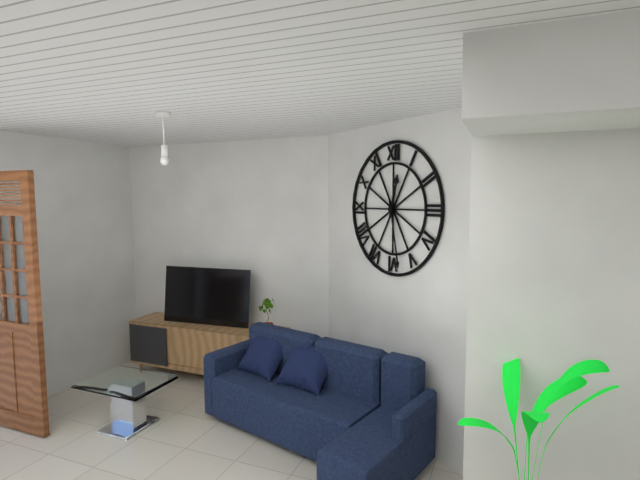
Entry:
12.28
